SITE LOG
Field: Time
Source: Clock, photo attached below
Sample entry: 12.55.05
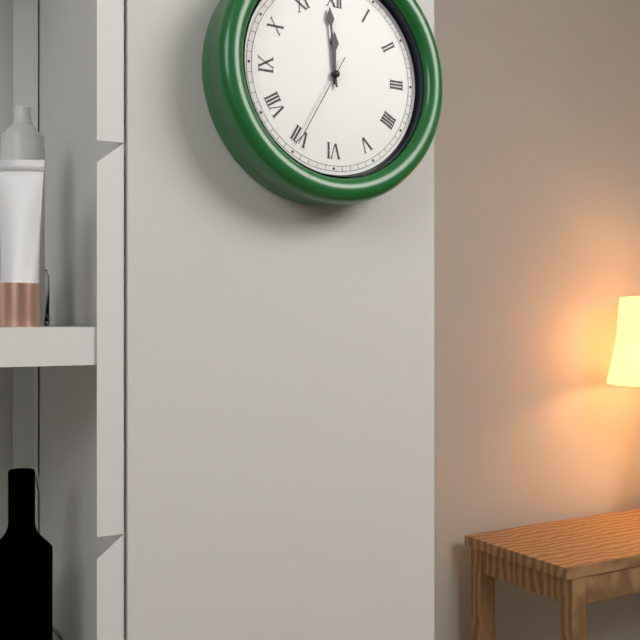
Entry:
11.59.35
